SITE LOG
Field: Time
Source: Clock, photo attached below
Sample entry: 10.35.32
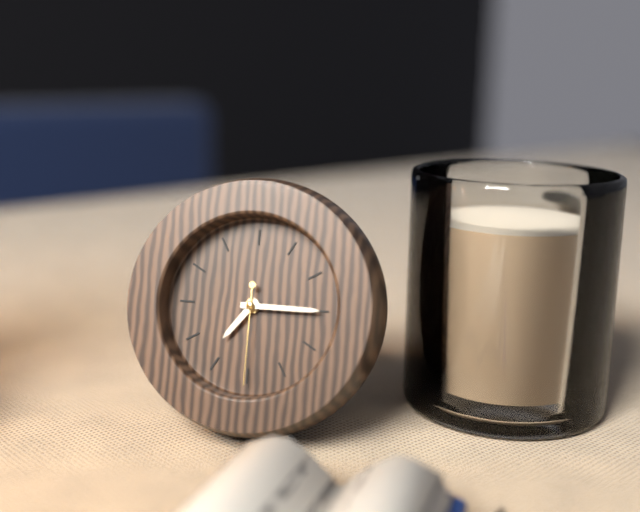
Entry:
7.15.30
